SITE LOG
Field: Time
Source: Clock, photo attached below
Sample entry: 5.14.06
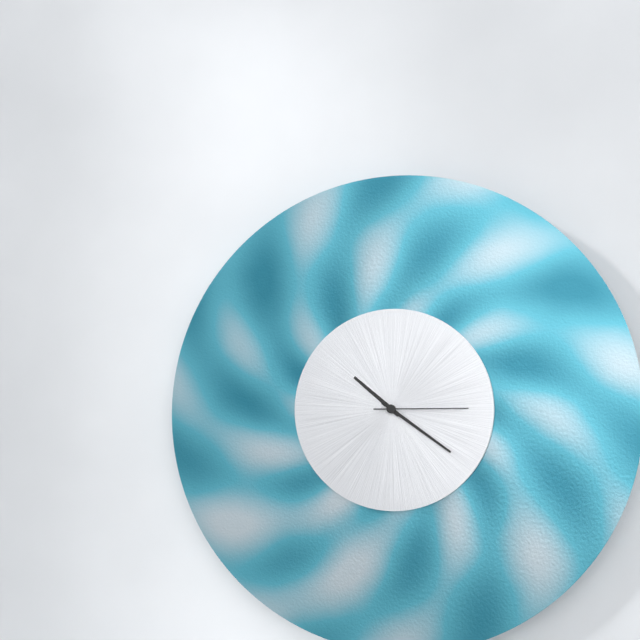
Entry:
10.21.15
